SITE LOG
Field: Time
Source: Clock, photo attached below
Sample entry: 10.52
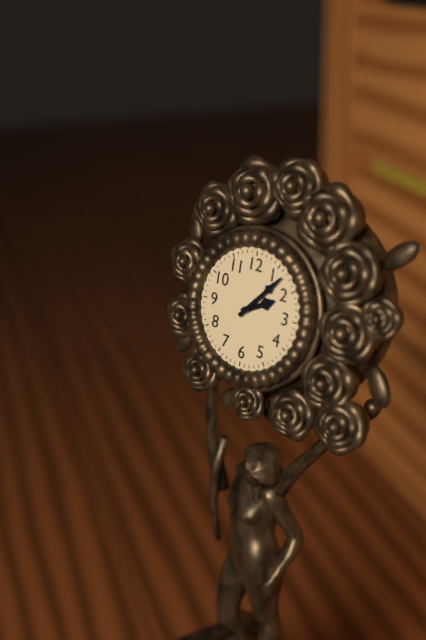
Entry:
2.07
